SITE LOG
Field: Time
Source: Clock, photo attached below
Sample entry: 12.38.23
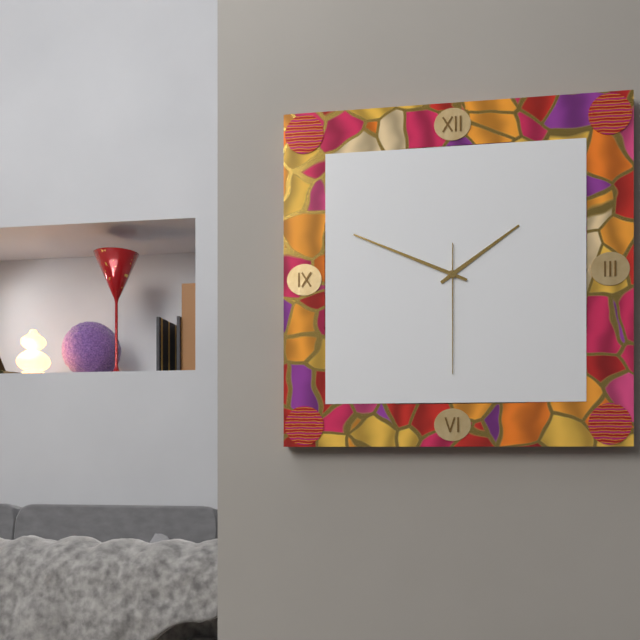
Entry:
1.49.30
